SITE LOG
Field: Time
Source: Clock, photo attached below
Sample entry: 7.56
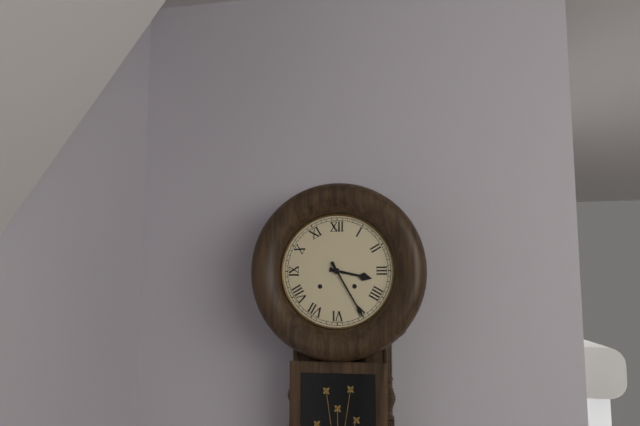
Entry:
3.25
